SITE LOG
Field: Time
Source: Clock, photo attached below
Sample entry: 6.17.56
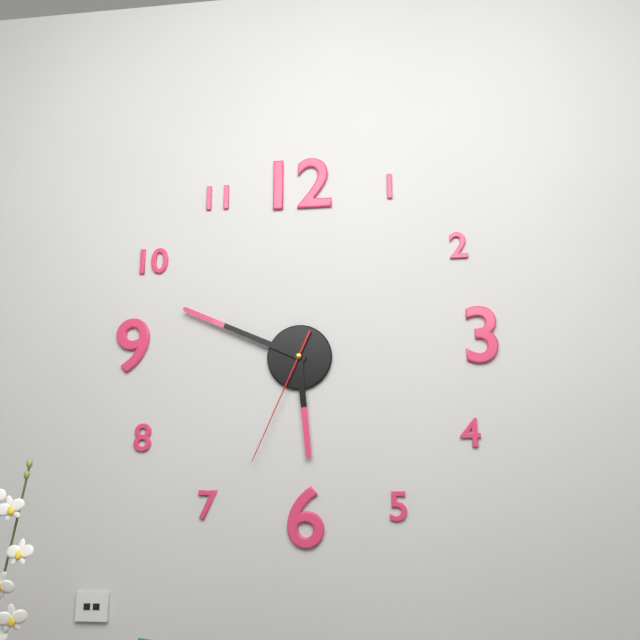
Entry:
5.49.34
